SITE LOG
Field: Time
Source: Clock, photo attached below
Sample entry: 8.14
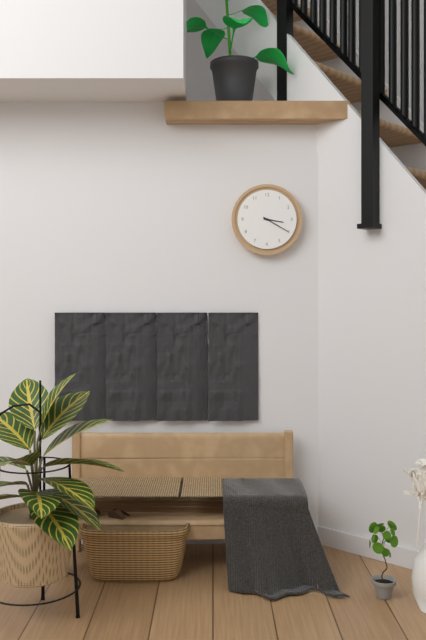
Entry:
3.20
